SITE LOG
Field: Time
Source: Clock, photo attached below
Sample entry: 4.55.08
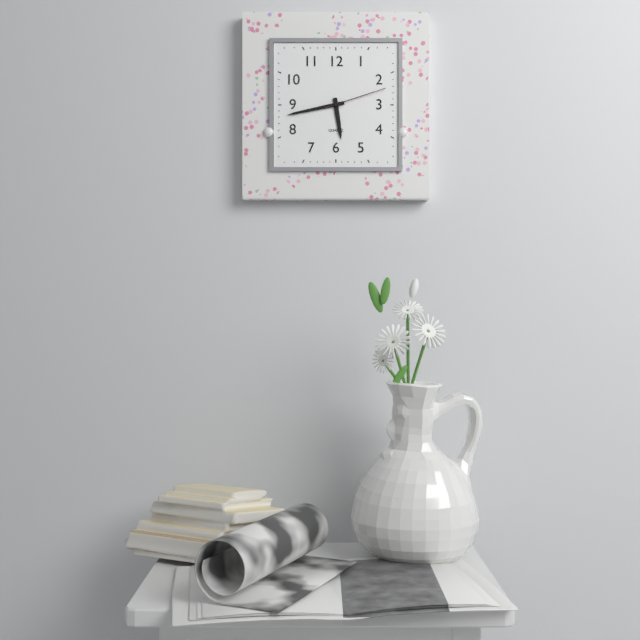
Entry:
5.43.12
